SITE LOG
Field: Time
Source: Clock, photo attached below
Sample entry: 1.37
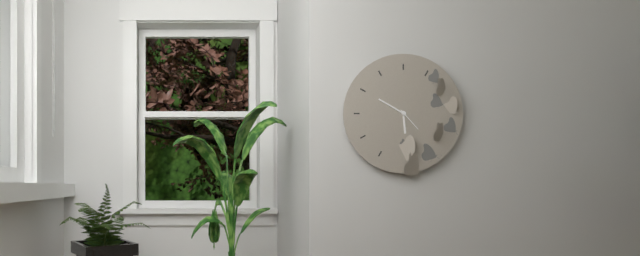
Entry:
5.50
